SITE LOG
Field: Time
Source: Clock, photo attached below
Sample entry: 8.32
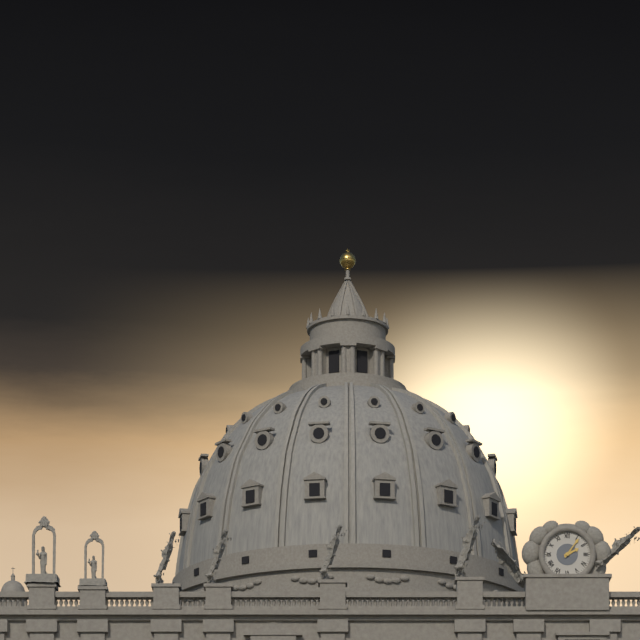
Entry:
2.06
